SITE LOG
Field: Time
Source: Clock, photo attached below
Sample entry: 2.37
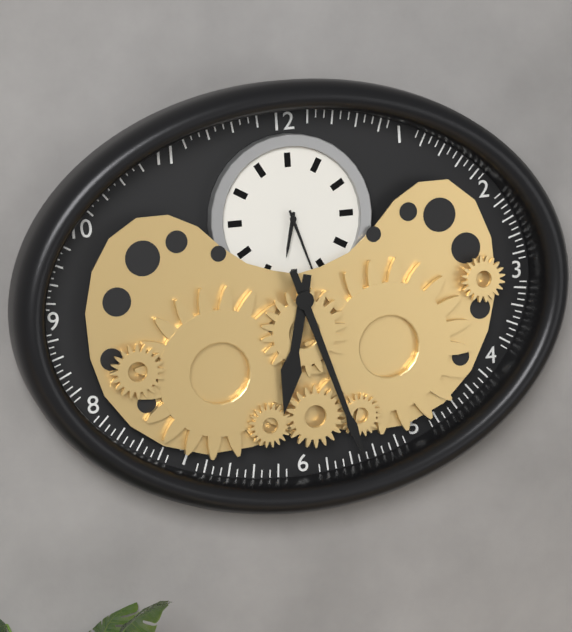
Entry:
6.27
